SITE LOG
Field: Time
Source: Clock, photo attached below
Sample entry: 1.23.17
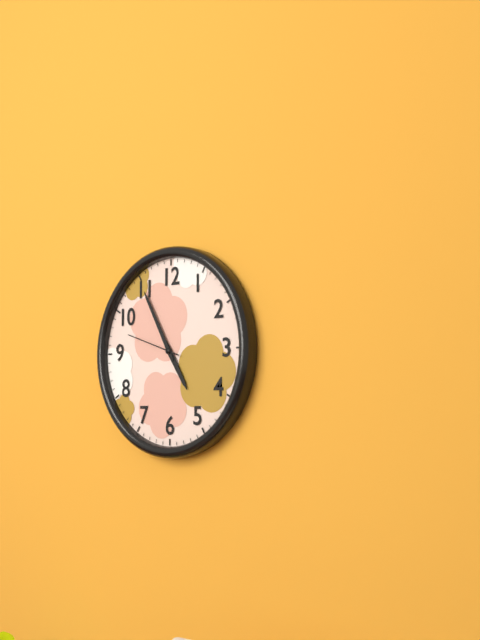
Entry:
4.55.48
